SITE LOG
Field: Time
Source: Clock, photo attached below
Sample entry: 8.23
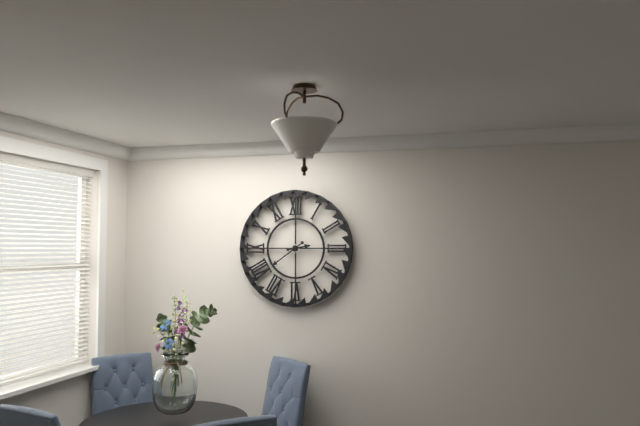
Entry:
2.39
